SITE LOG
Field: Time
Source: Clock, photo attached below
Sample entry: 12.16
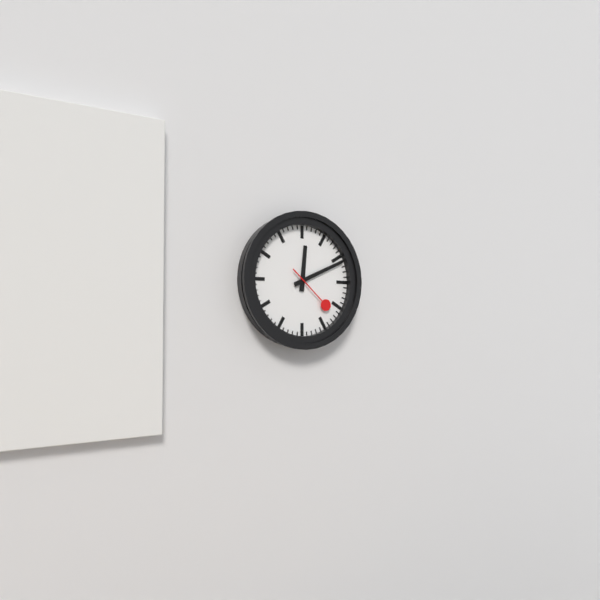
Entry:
12.11
